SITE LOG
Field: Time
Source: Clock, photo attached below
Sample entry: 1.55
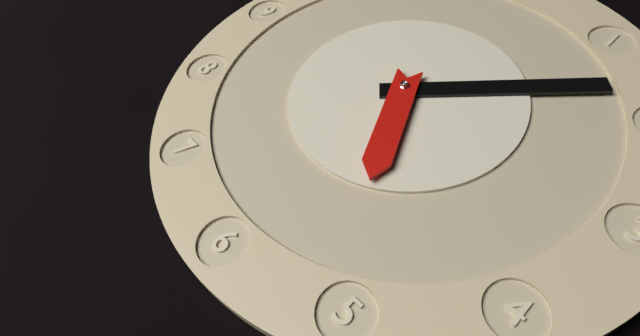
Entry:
5.08
